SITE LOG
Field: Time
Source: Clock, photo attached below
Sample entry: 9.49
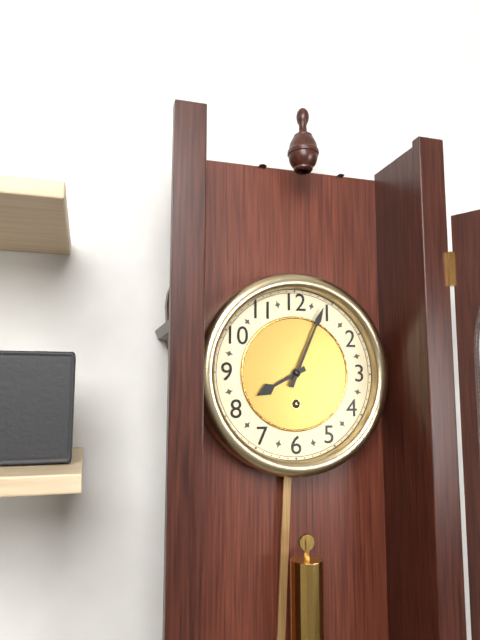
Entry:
8.04
